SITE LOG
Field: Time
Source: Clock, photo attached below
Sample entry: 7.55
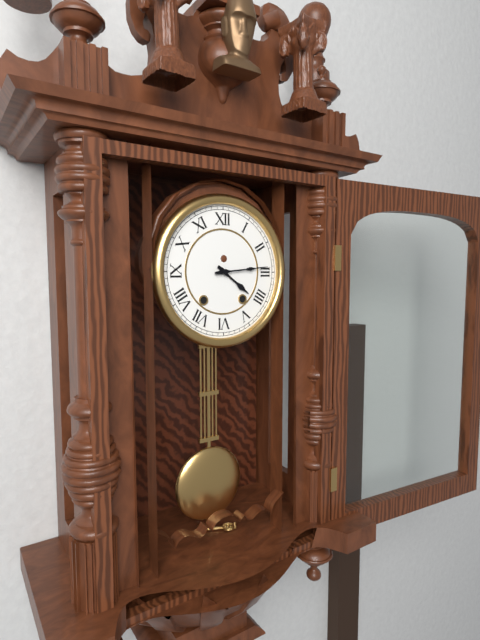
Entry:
4.14
